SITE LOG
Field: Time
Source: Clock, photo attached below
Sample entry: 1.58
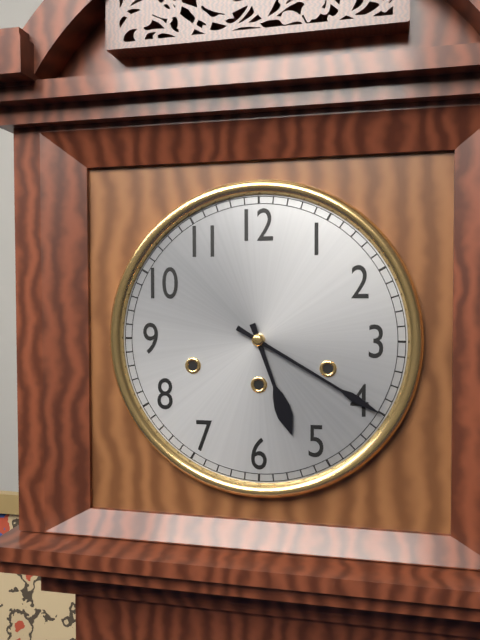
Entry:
5.20
